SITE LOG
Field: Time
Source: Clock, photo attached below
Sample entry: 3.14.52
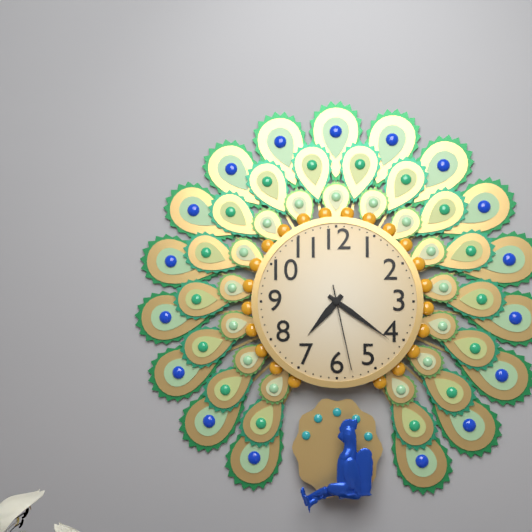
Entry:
7.21.28
